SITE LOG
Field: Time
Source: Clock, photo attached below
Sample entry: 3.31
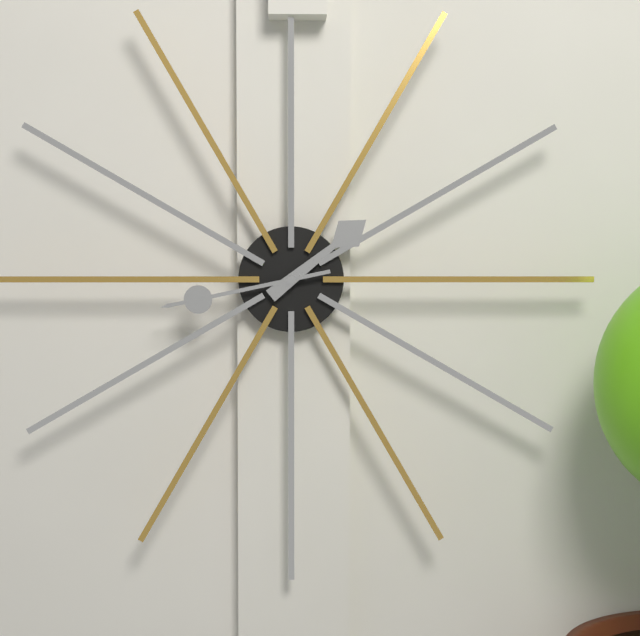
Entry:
1.43
